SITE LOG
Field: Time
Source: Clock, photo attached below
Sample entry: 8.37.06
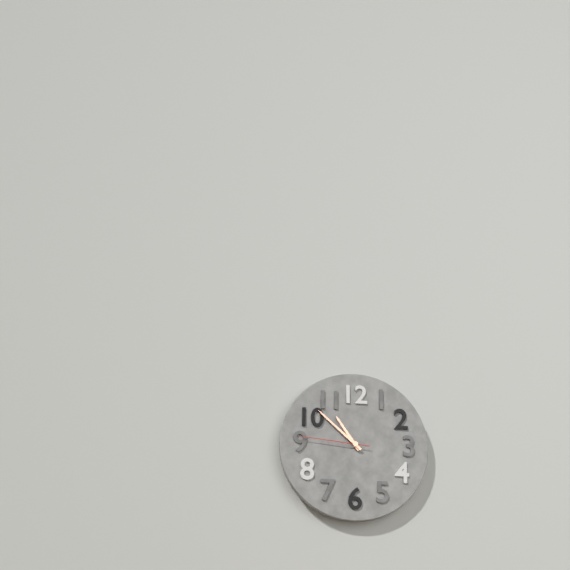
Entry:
10.52.46
